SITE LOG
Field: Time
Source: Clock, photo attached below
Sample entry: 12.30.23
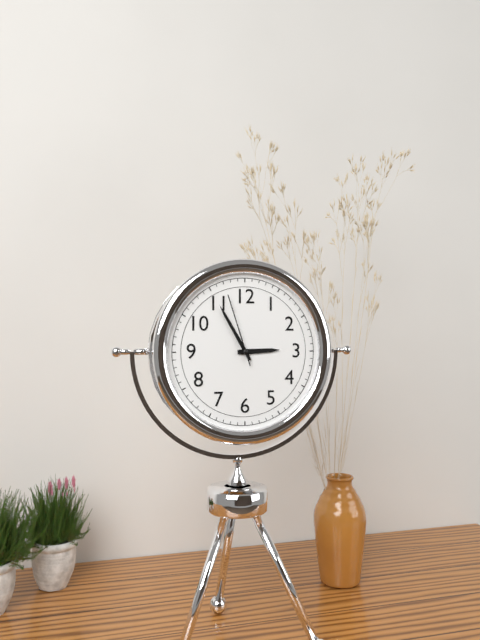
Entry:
2.55.57
